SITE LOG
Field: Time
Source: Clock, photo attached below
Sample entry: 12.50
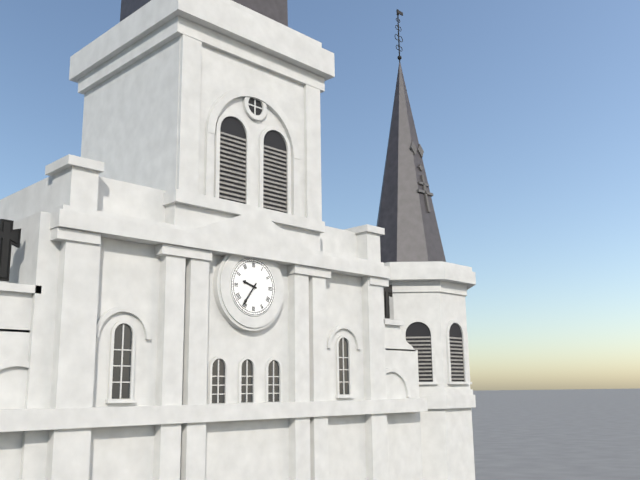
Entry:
9.36
